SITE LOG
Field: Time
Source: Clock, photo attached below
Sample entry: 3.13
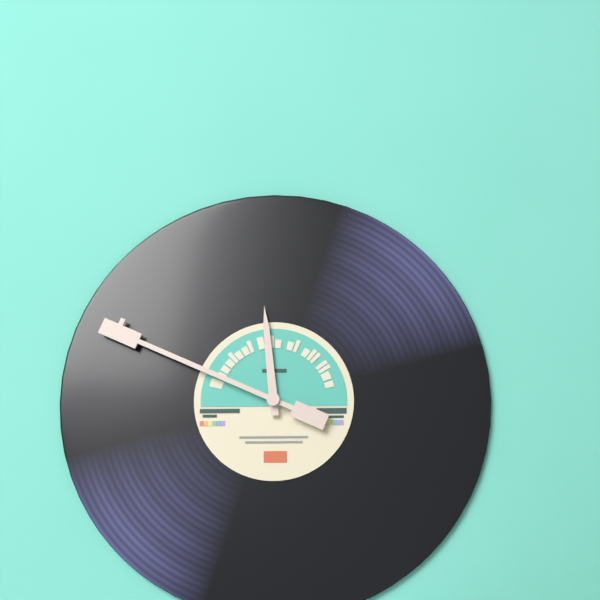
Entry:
11.49
